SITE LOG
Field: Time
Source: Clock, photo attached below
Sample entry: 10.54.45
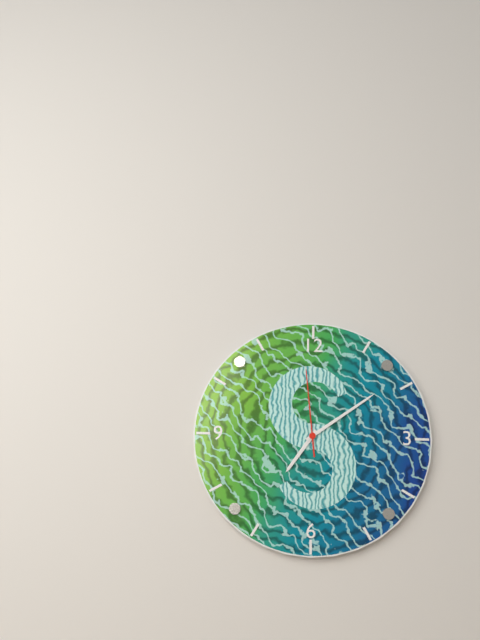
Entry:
7.09.59
